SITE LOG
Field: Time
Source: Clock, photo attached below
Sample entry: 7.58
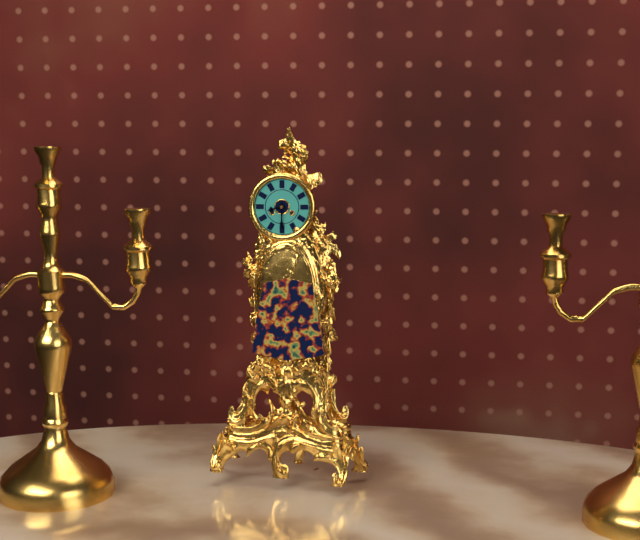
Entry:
8.30
